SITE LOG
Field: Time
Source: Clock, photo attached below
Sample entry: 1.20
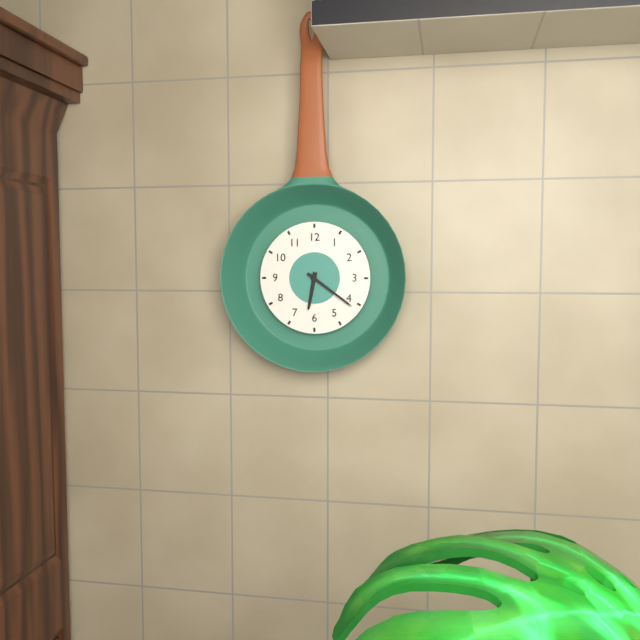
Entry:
6.21
